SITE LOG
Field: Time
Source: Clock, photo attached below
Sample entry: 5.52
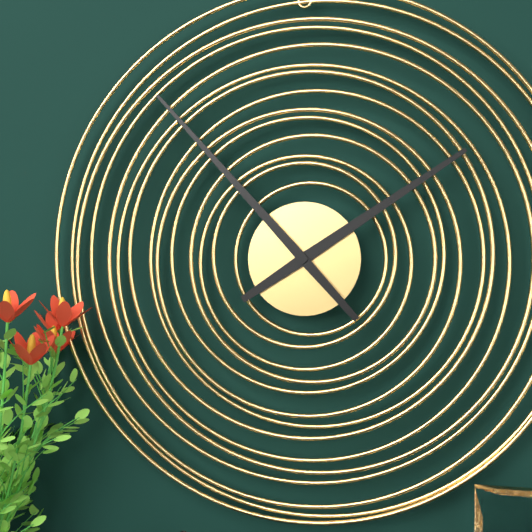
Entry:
1.53
